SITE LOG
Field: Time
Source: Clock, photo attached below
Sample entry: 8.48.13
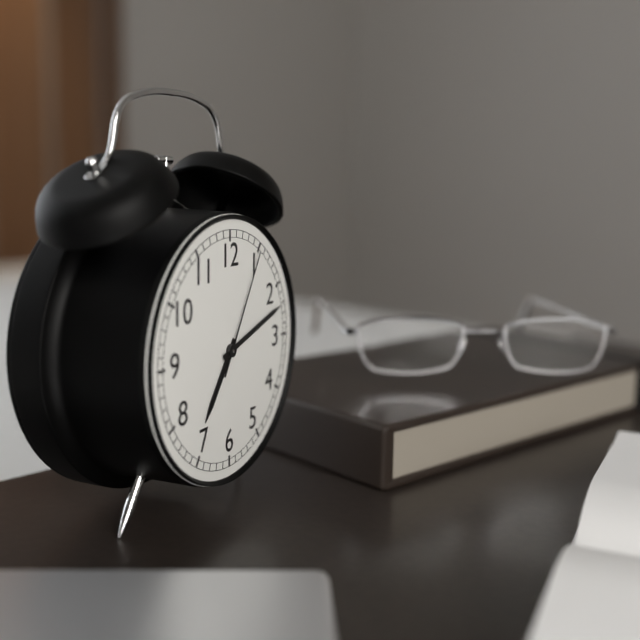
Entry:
7.12.05
